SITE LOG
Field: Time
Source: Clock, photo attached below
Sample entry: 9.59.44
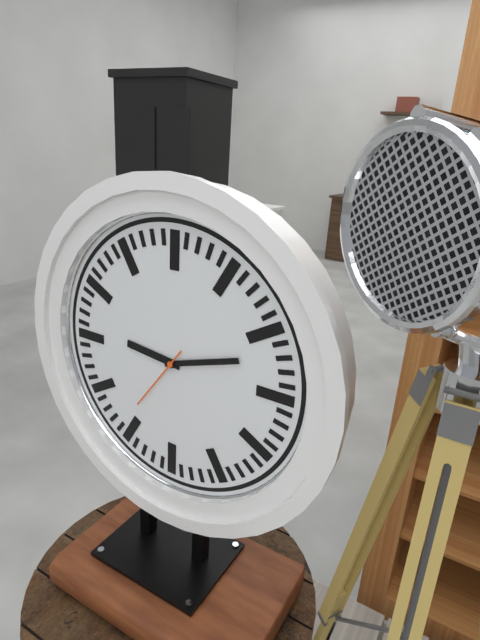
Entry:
9.12.36
